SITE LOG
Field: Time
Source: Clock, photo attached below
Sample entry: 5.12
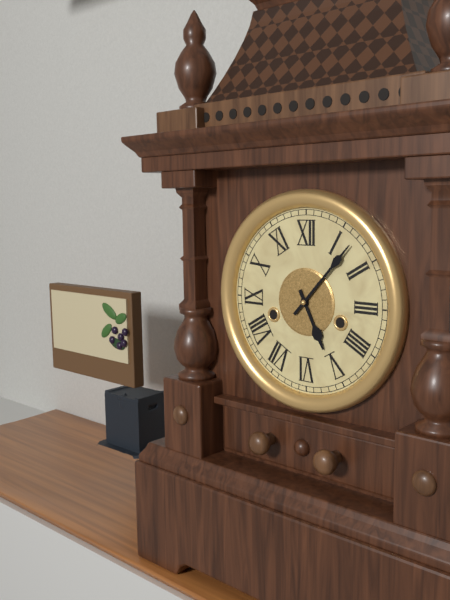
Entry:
5.07
